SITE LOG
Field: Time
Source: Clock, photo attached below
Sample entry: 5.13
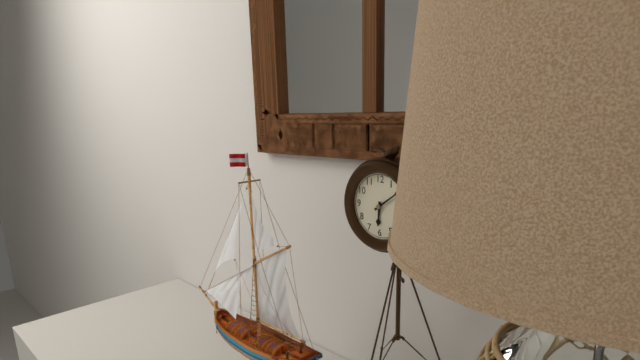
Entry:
6.09
